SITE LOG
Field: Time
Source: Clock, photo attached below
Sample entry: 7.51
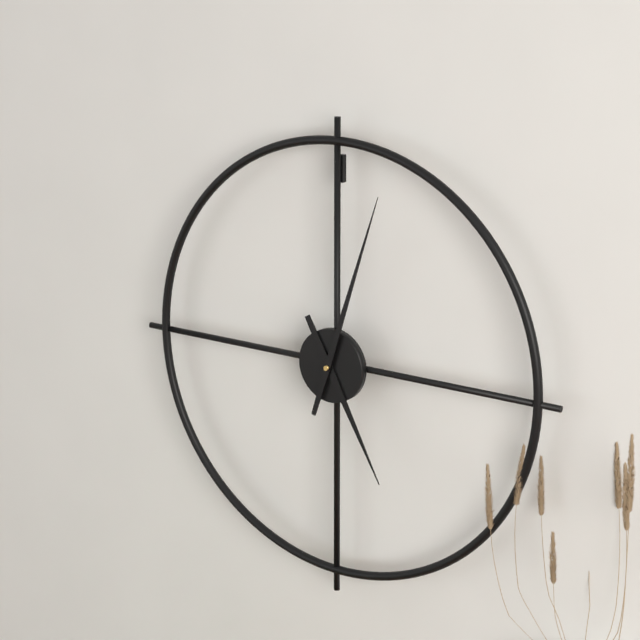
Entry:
5.03
